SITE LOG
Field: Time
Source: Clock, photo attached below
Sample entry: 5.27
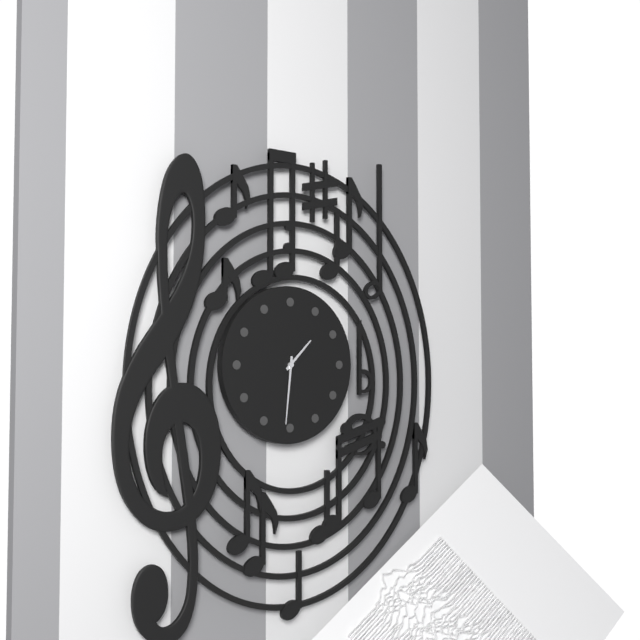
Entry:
1.31
